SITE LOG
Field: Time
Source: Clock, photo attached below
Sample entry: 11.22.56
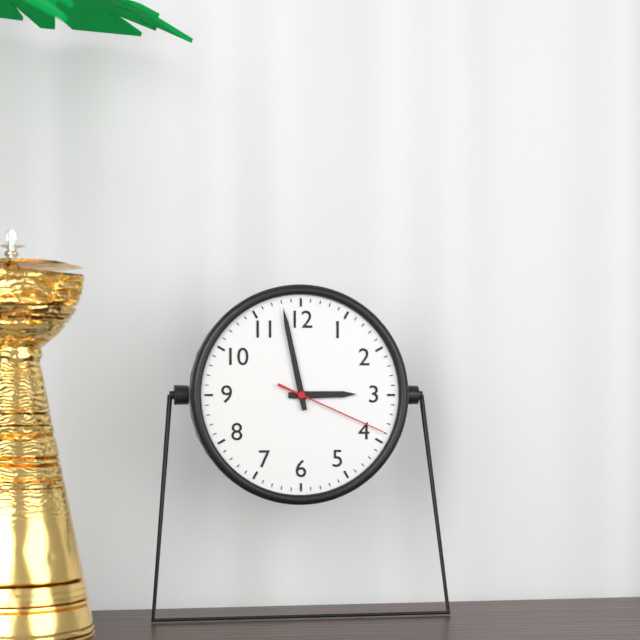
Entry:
2.58.19
